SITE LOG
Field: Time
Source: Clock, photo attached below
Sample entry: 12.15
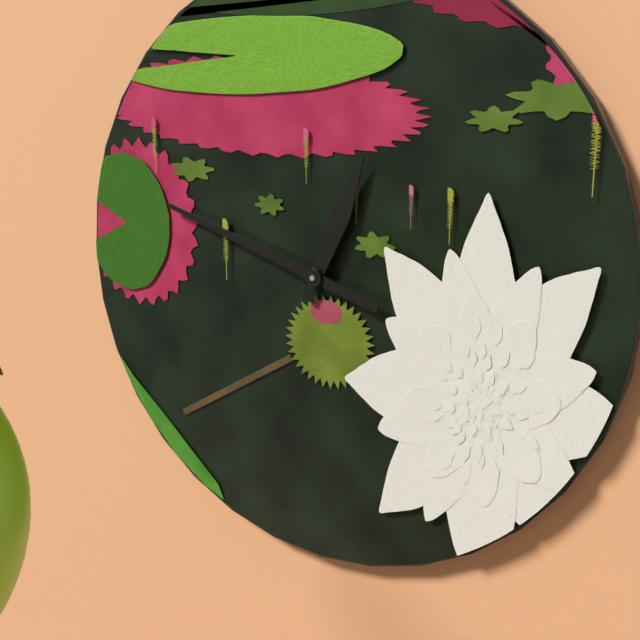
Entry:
12.48
